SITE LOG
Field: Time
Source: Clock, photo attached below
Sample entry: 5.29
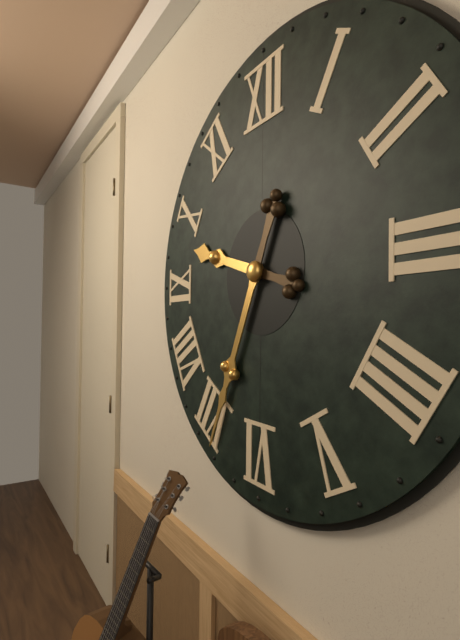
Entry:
9.34
